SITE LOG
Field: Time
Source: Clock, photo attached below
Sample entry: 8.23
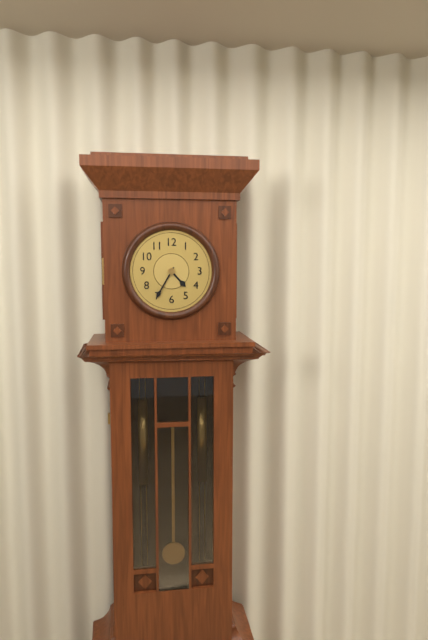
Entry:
4.35
